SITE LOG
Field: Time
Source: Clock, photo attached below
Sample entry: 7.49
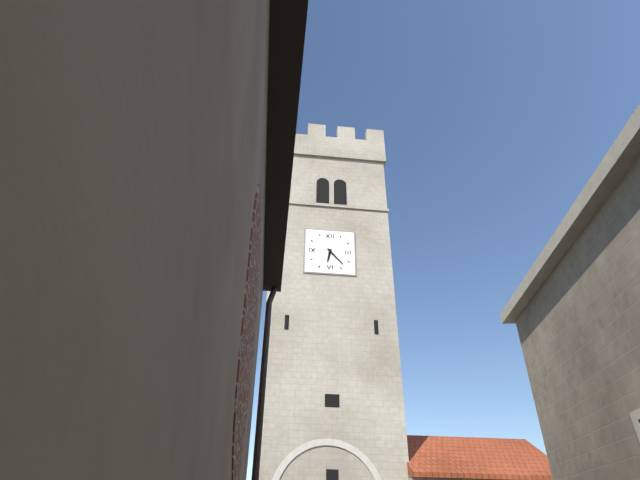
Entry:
6.23
